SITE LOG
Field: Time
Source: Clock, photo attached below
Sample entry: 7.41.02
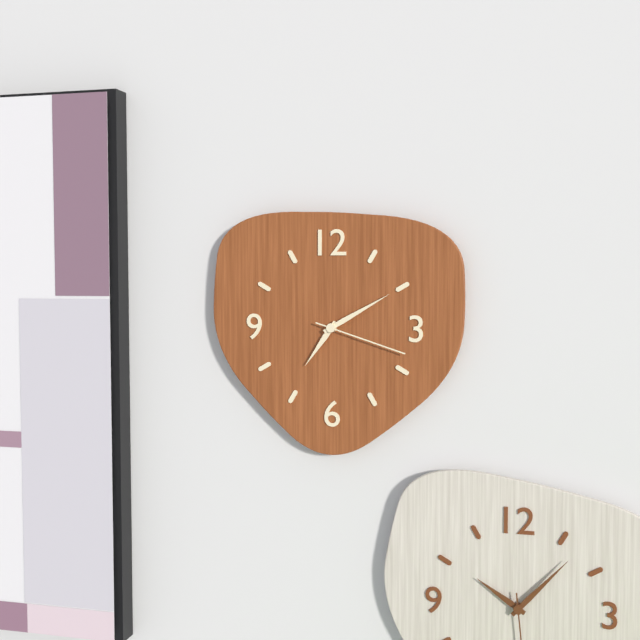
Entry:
7.10.18
